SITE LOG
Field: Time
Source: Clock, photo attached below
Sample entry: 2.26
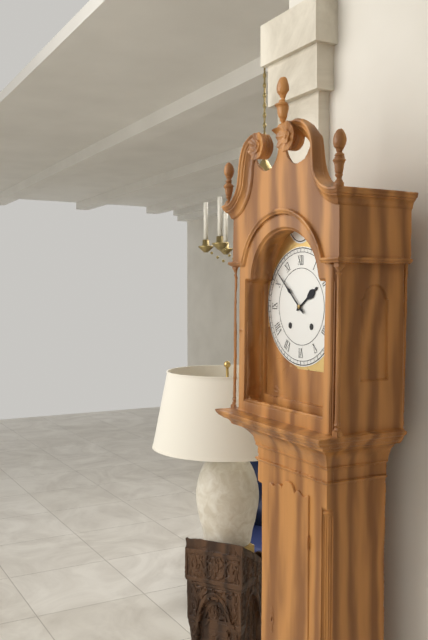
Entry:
1.52
